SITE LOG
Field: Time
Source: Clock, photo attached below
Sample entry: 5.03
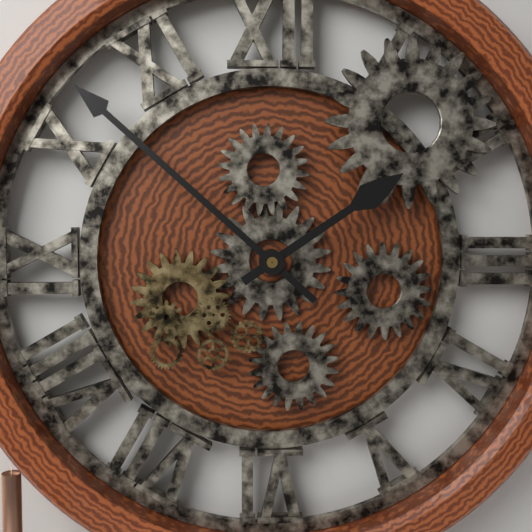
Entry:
1.52
